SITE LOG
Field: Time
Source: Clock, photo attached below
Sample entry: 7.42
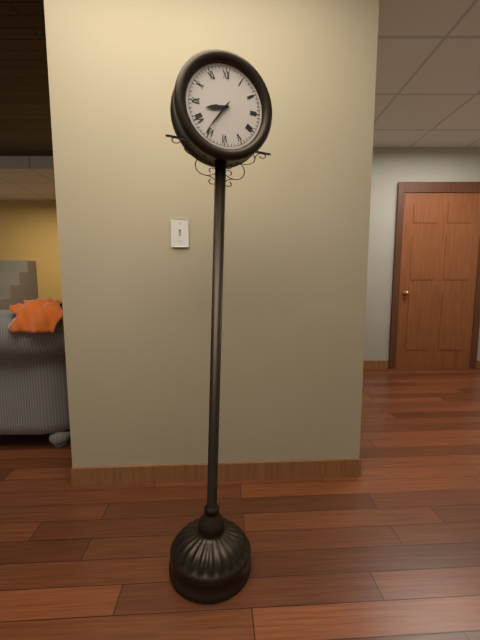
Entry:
8.36
